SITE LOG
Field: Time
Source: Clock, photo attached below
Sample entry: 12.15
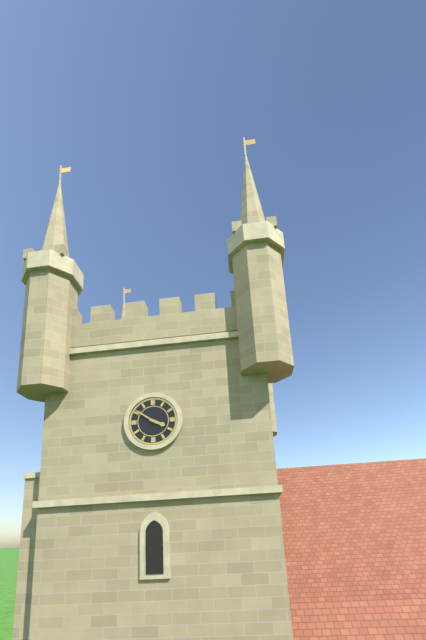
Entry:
3.51
